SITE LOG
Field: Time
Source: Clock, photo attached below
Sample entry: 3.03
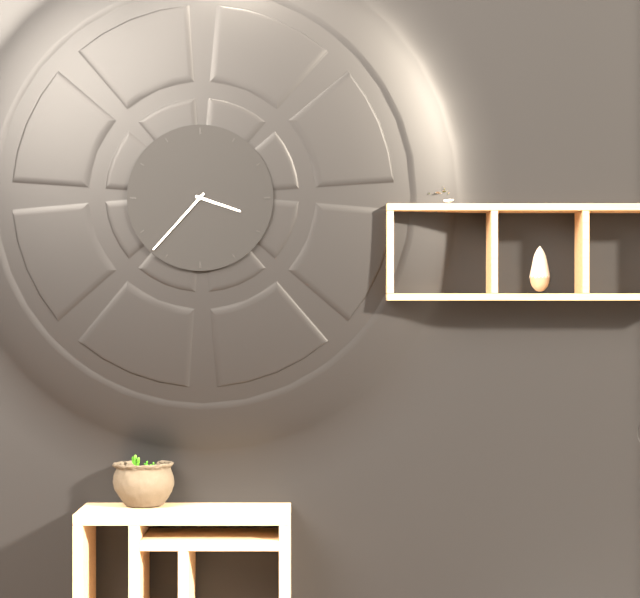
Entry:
3.37
